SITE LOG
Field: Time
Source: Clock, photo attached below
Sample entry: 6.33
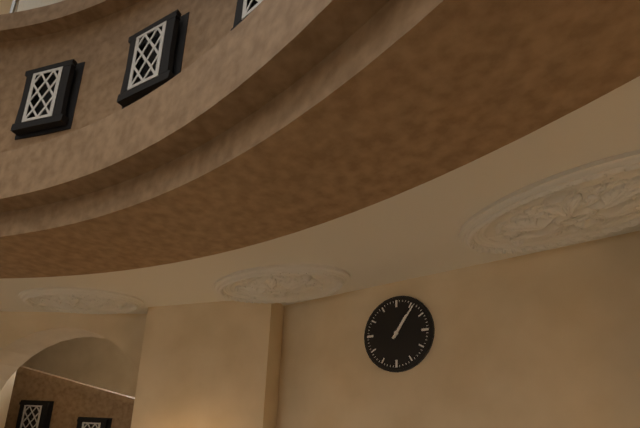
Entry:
1.06
